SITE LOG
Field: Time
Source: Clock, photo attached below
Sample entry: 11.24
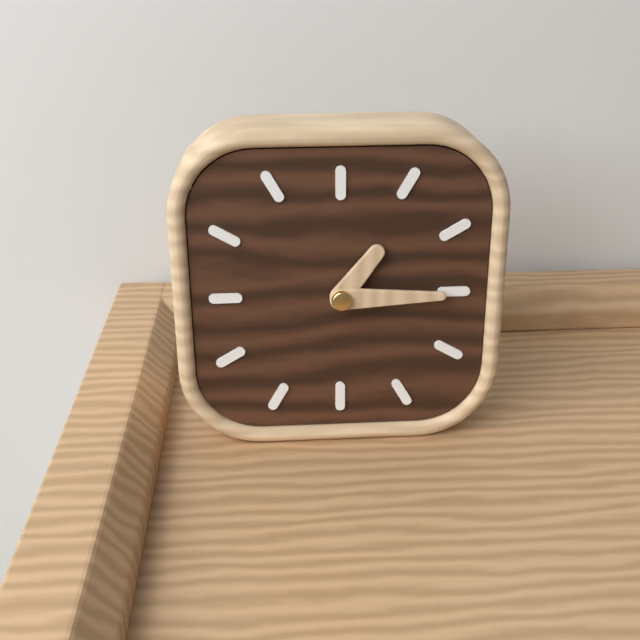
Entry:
1.15
